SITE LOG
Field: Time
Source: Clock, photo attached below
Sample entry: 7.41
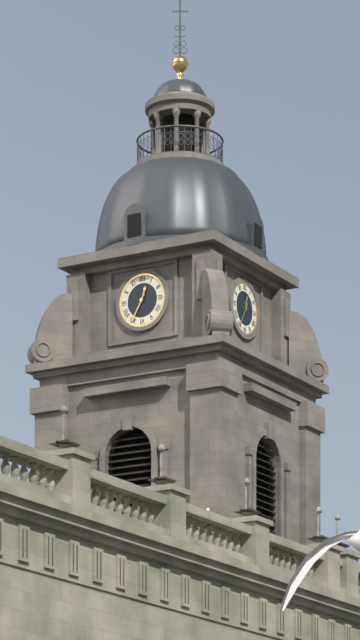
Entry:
12.35
